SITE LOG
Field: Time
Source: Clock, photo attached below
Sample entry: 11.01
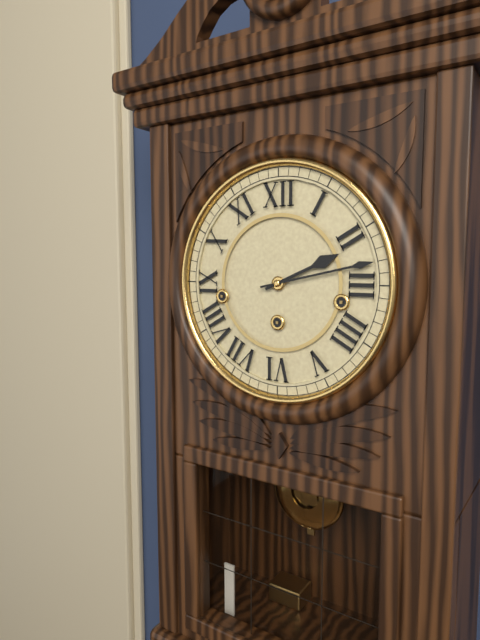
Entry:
2.13
